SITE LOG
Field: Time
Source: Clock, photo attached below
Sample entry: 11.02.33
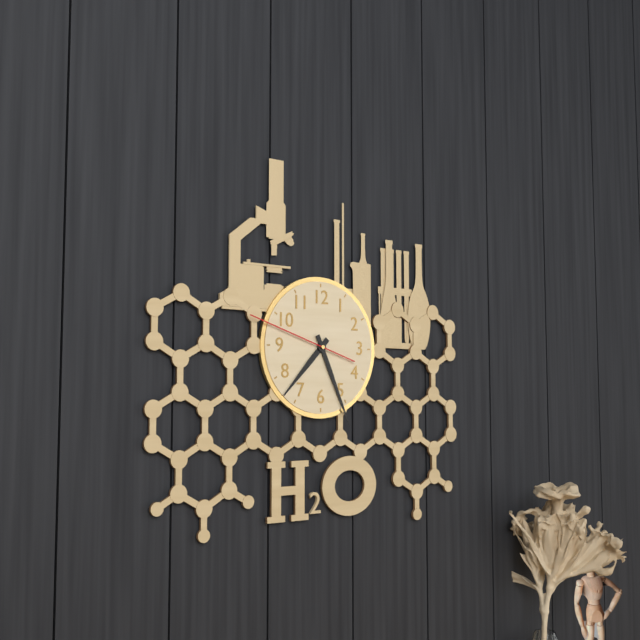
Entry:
7.26.48
